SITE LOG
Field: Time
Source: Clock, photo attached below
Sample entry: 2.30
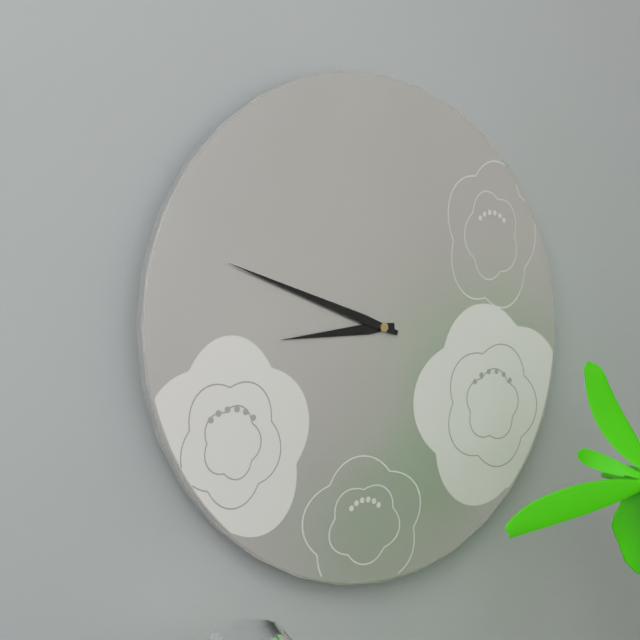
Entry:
8.48
